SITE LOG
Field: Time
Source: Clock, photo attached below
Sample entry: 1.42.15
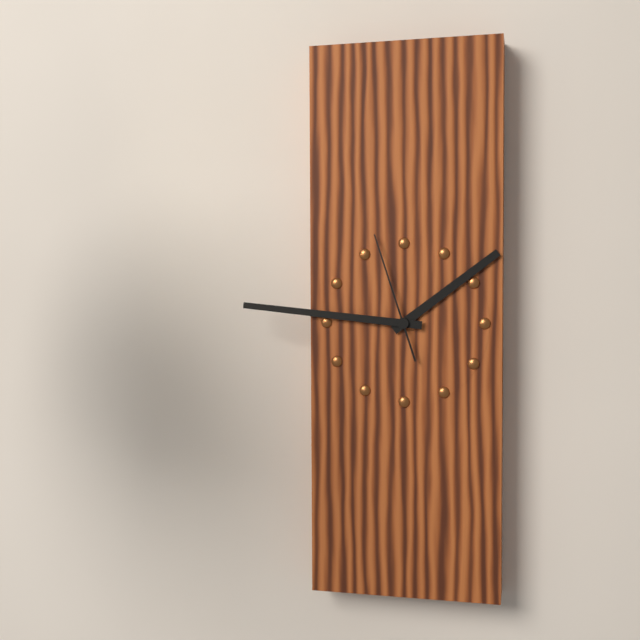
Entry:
1.46.57
